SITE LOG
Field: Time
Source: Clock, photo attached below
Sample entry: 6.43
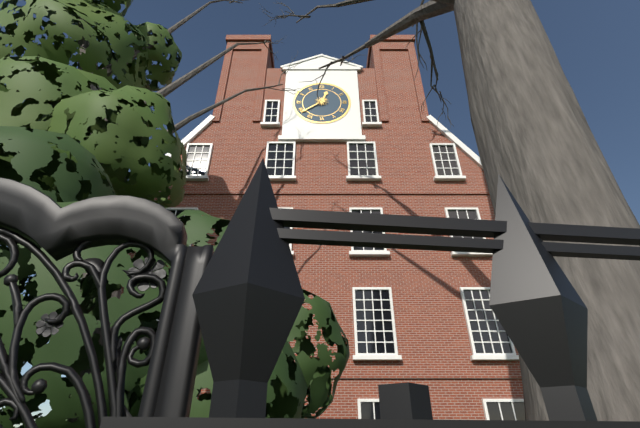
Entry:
12.39
